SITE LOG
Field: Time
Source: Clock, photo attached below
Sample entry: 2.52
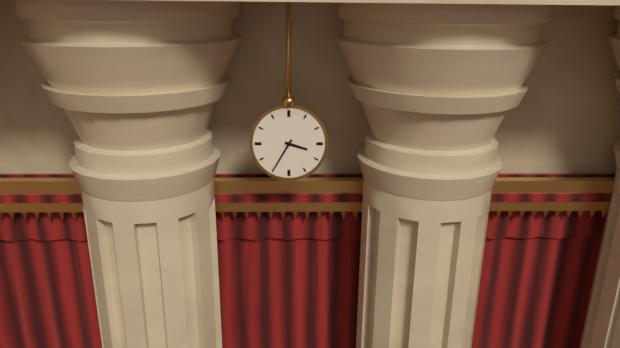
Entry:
3.35
